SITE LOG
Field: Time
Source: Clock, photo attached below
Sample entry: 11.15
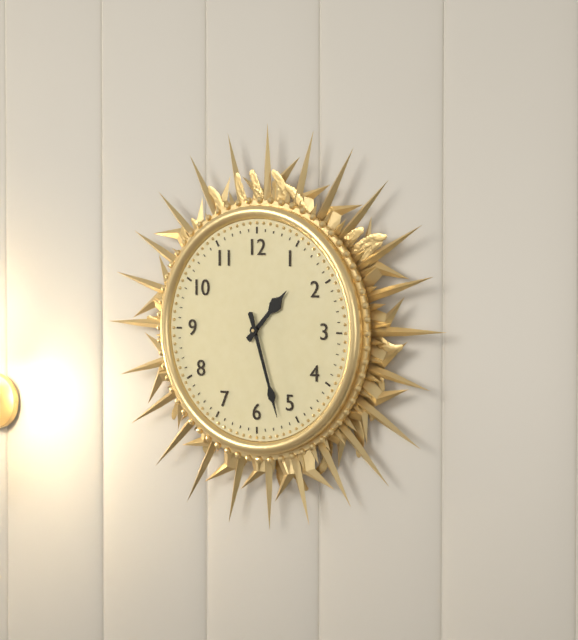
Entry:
1.27
